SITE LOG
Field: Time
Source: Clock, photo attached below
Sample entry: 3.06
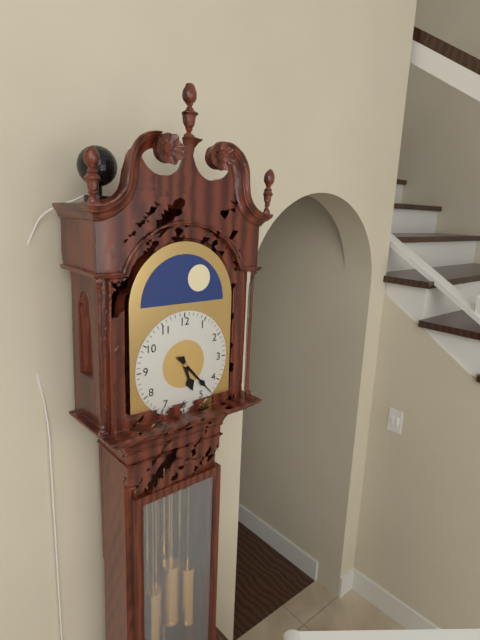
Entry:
5.23
